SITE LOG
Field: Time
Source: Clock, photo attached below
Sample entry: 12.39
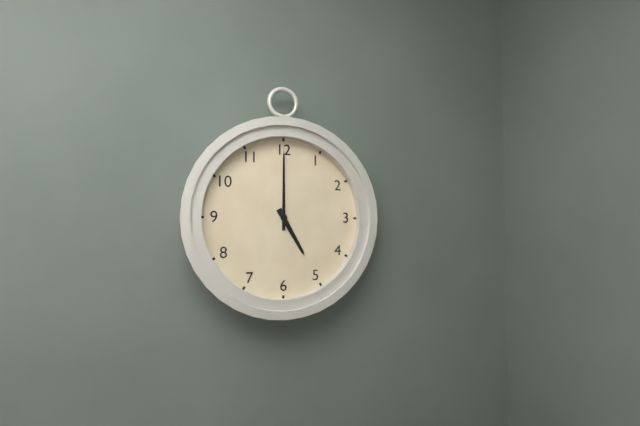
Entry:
5.00
